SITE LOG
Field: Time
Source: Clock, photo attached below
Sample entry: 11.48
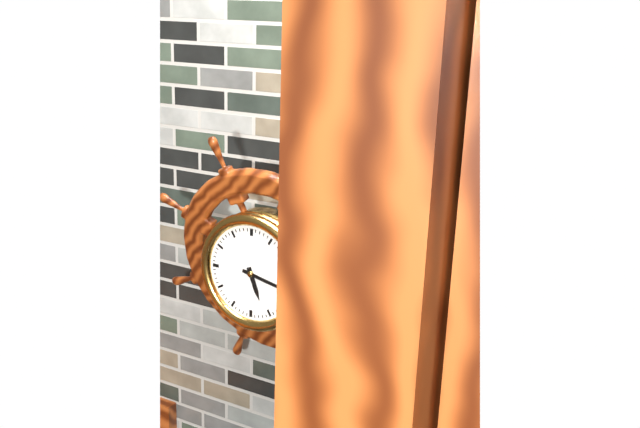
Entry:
5.17
